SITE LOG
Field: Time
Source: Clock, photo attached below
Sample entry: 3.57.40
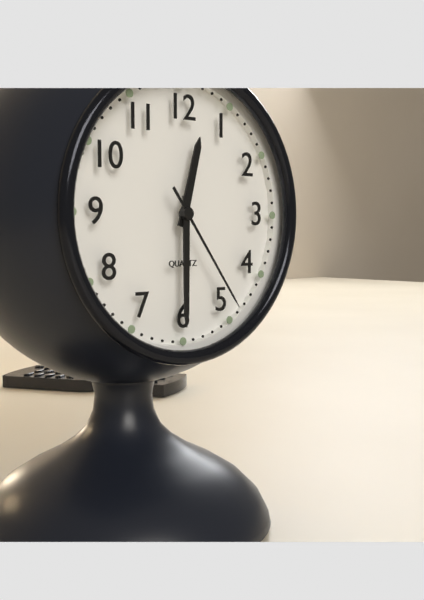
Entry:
12.30.24
